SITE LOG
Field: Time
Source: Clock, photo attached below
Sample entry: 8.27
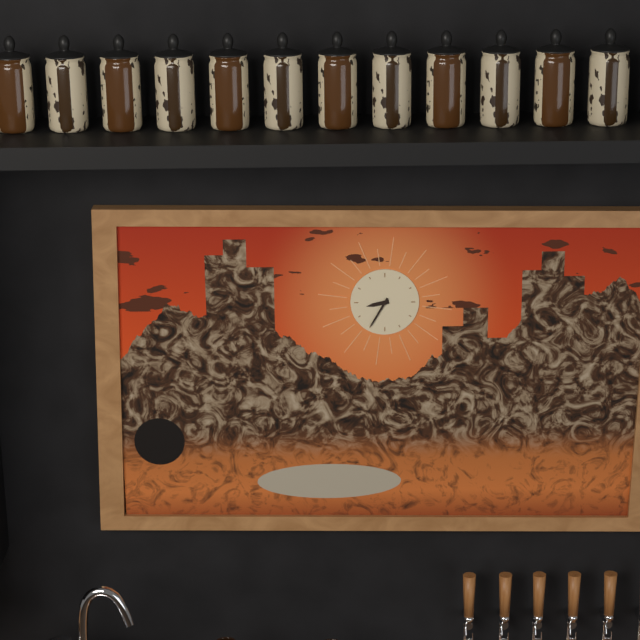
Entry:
8.35
